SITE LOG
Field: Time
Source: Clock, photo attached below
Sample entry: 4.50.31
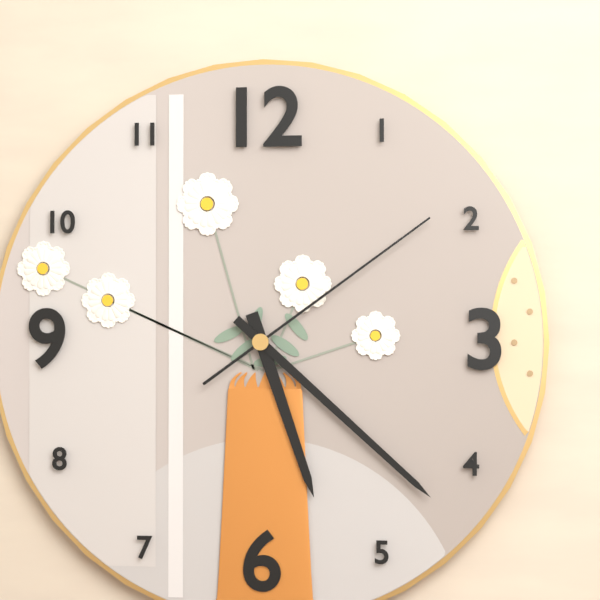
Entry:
5.22.09
